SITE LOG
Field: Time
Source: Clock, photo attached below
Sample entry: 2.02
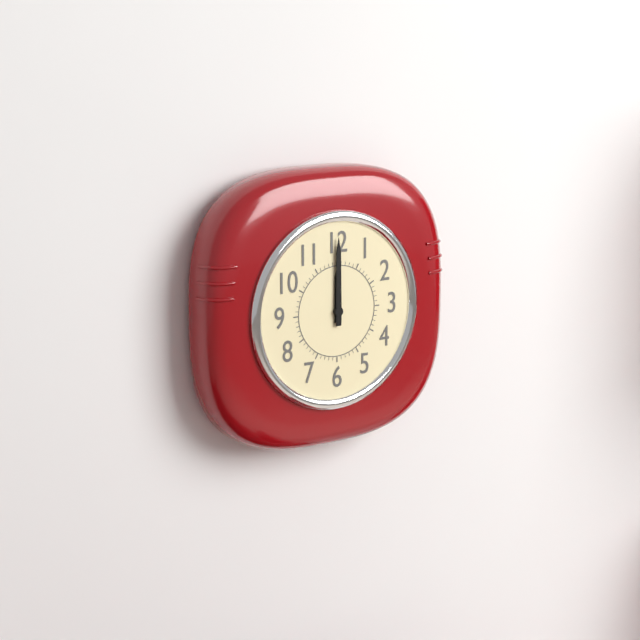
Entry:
12.00
